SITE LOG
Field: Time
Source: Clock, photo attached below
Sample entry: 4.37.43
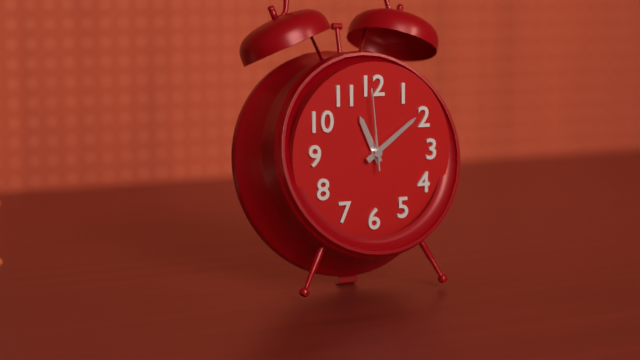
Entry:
11.09.59
